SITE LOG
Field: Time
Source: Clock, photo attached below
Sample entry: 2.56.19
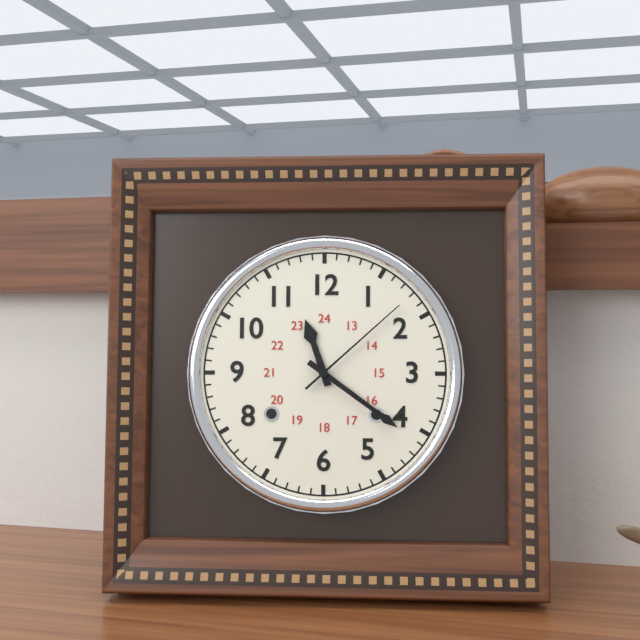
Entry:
11.21.08
